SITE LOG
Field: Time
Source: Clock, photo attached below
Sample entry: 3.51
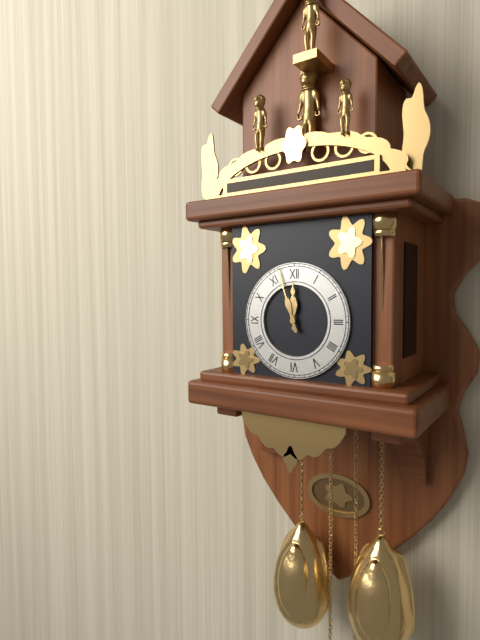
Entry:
11.57
